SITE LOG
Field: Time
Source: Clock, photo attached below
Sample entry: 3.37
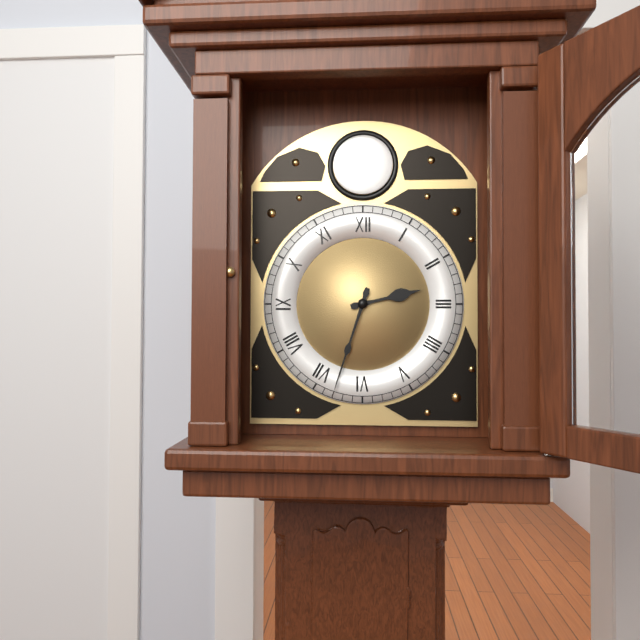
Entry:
2.33
